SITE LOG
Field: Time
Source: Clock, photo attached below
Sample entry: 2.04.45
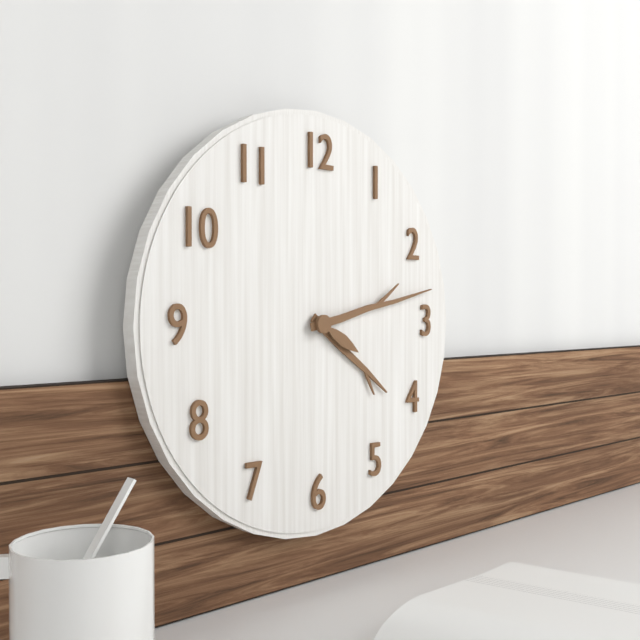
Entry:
4.13.20
